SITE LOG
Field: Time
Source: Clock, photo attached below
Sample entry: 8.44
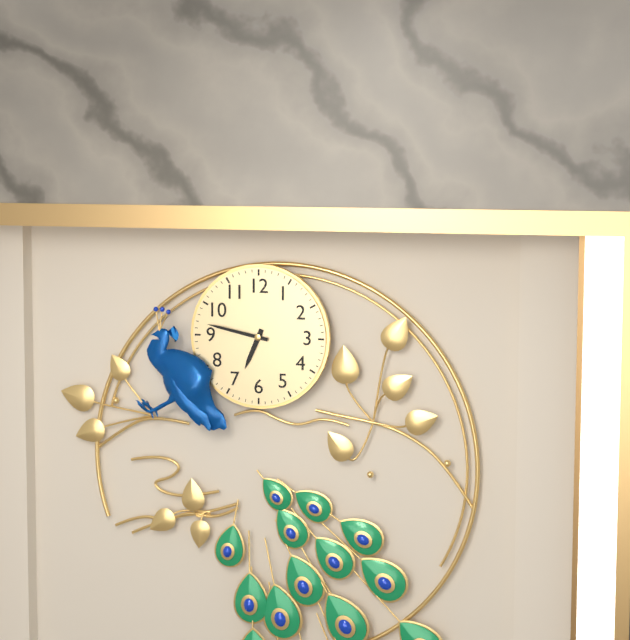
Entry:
6.47
